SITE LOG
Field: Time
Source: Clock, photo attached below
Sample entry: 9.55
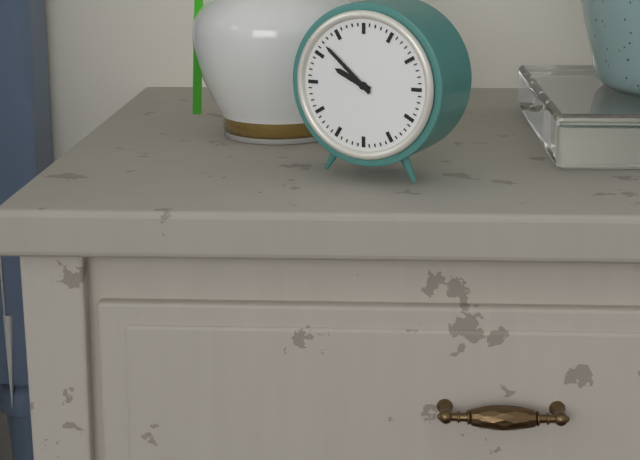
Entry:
9.52
